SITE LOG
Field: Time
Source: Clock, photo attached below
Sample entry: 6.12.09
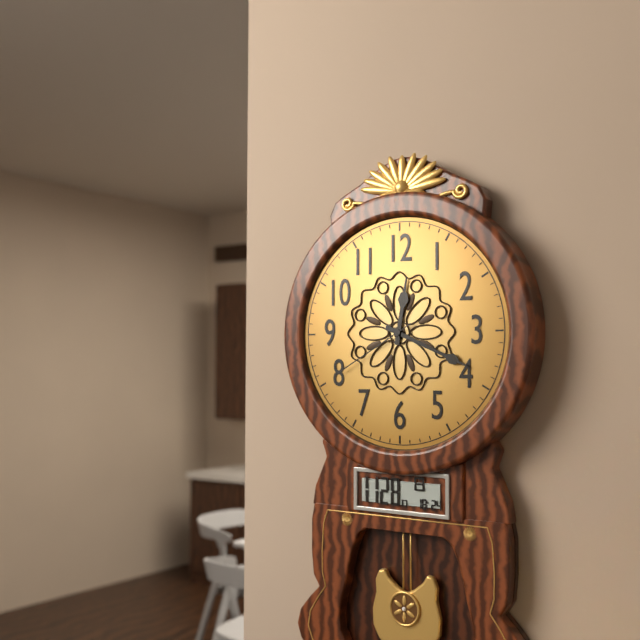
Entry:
12.19.40
